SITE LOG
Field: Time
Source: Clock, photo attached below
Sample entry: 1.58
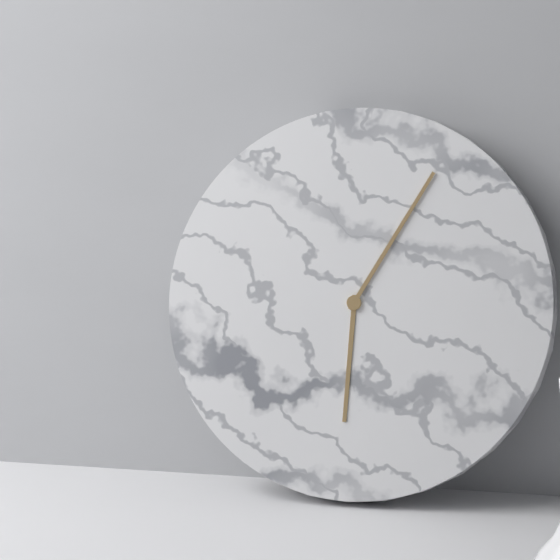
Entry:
6.05
